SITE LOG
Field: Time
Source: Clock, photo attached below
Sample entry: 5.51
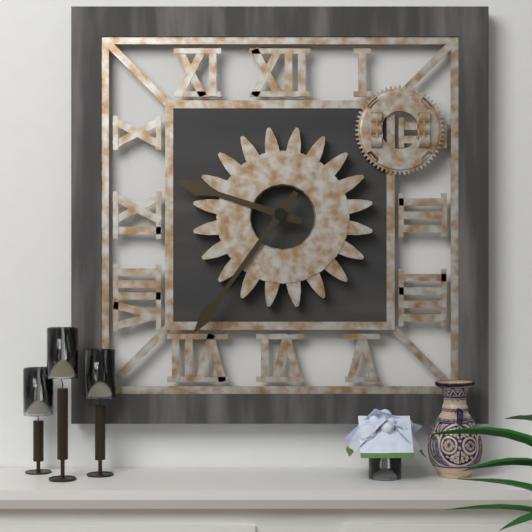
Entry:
9.36
